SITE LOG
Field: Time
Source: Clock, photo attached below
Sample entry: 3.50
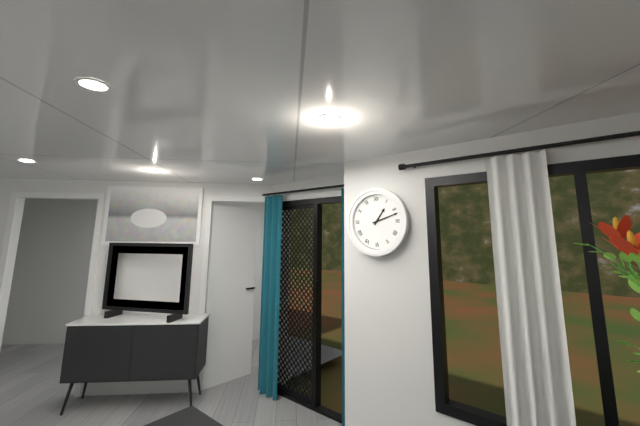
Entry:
1.12
